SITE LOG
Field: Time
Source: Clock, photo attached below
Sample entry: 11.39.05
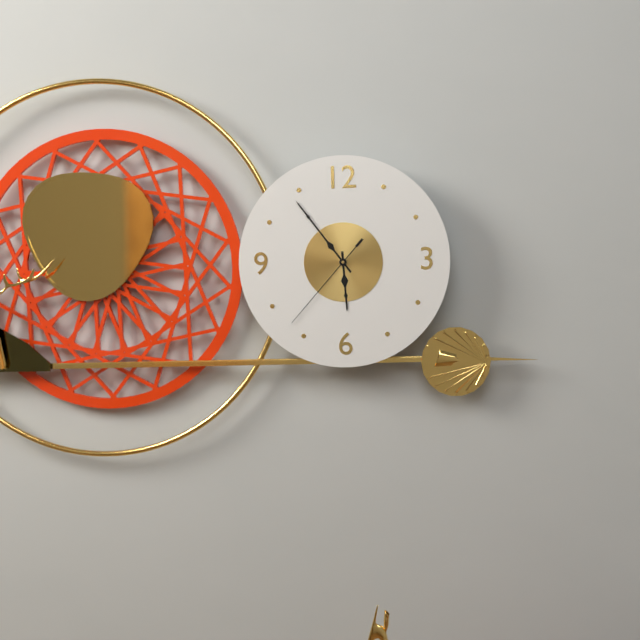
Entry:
5.54.37
